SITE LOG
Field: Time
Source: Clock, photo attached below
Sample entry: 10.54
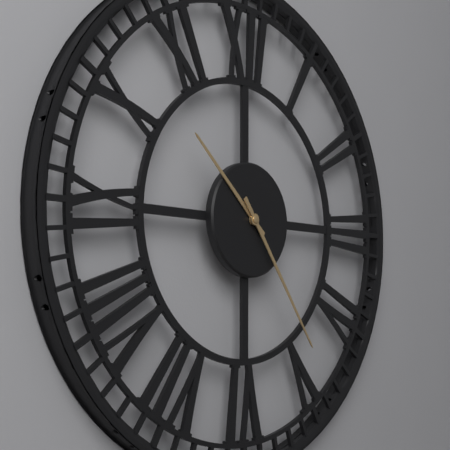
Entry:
10.24
